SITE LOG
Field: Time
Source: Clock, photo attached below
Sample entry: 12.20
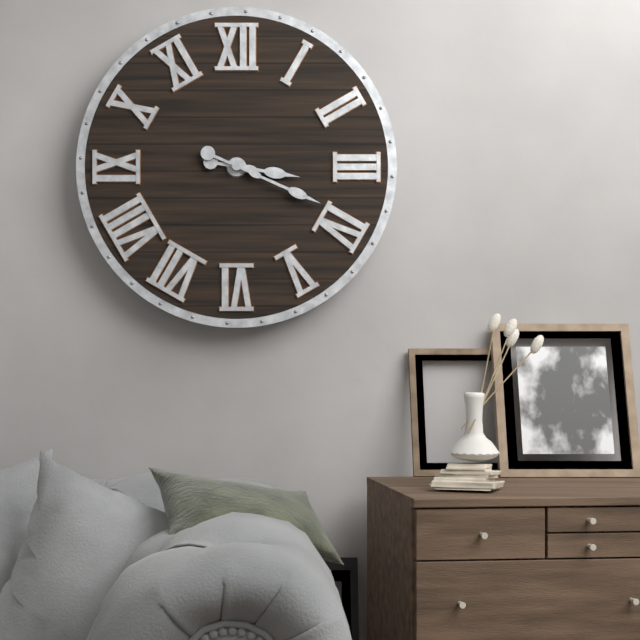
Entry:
3.19
